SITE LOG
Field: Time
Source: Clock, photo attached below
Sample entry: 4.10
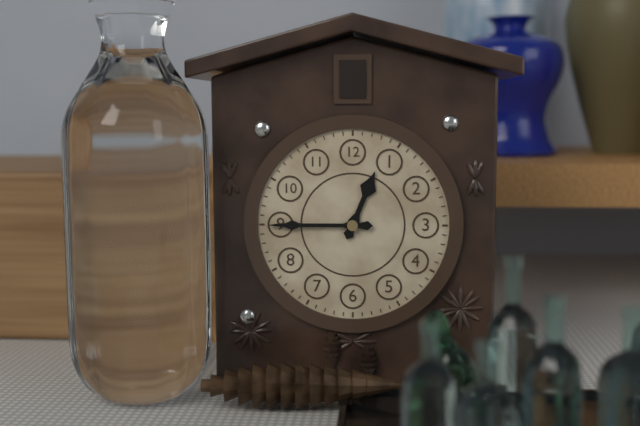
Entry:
12.45
